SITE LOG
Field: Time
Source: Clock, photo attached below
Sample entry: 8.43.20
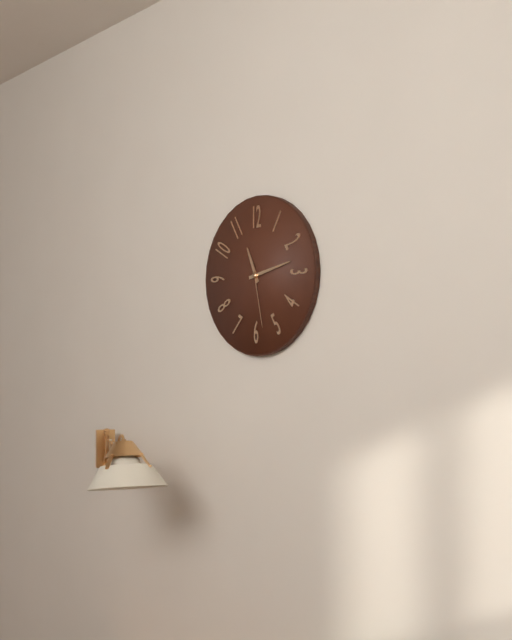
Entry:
11.13.28
